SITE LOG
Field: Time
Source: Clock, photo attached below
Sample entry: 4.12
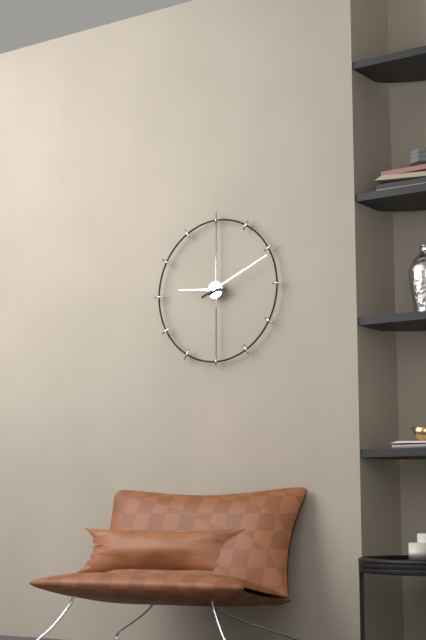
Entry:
9.11
